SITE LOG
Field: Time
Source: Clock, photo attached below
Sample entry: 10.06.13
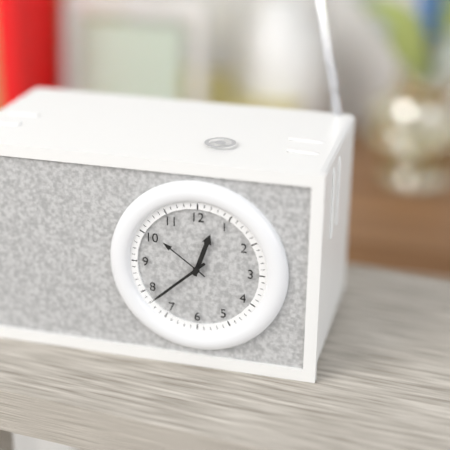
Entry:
12.38.51
